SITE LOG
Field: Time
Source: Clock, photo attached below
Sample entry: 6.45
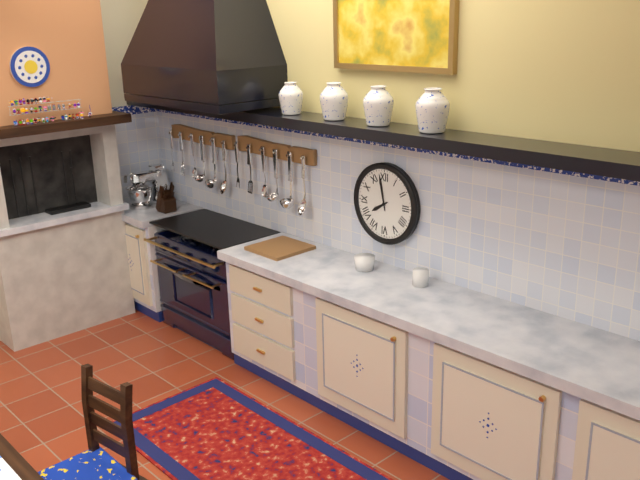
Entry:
7.58
